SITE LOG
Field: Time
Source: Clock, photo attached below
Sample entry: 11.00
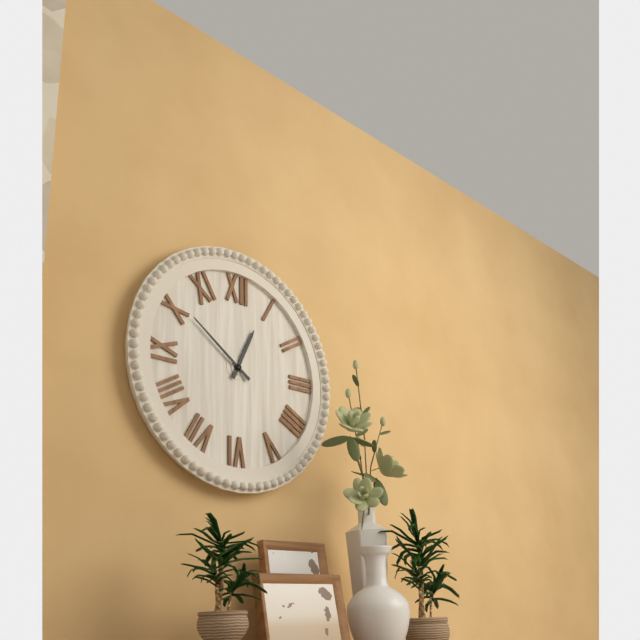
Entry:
12.51
